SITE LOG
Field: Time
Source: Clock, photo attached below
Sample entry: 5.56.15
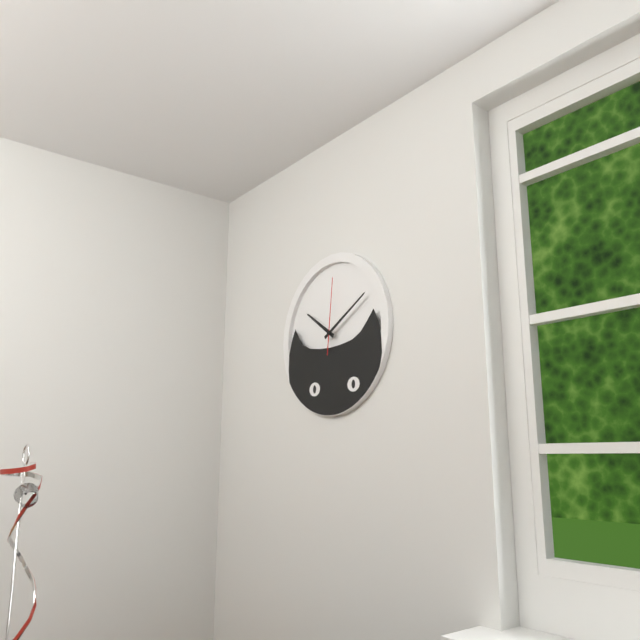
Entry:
10.10.01
